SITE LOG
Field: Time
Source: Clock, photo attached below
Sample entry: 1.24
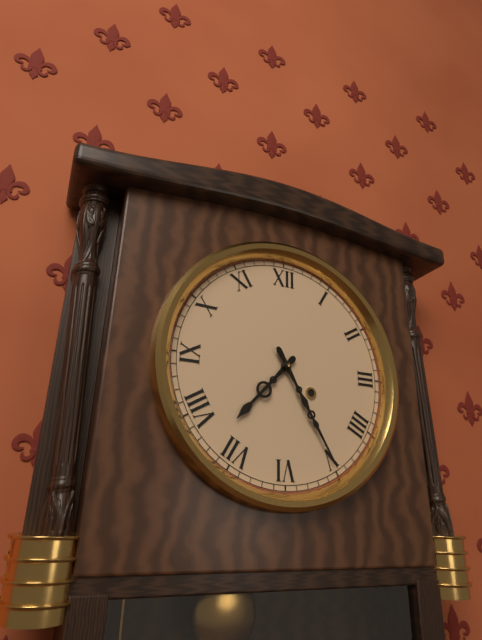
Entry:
7.25
